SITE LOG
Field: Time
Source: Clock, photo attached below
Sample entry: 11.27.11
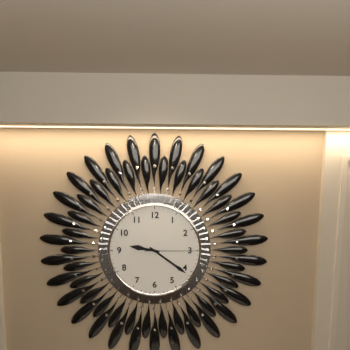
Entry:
9.21.15
